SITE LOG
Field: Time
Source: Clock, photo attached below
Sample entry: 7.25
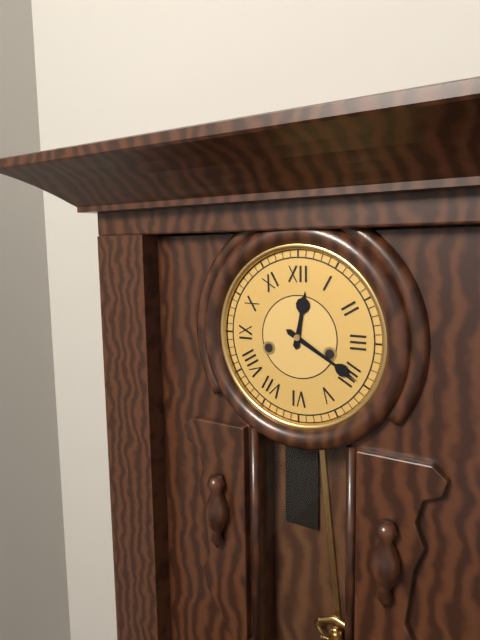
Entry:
12.20
